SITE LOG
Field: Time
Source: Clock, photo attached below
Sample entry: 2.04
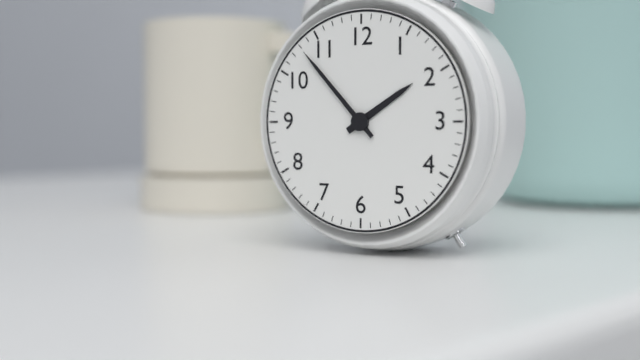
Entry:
1.53
